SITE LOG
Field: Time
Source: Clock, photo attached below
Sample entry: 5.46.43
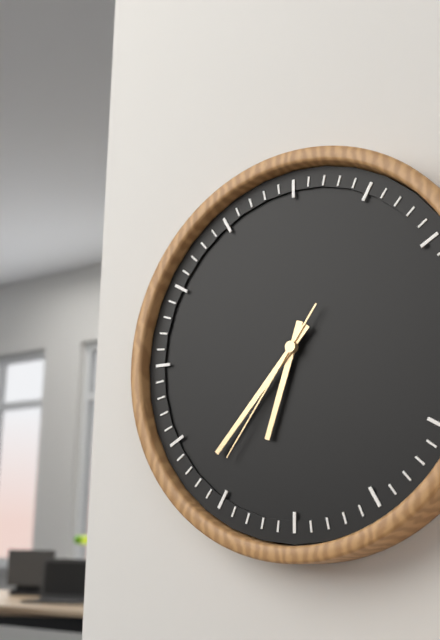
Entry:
6.37.36
